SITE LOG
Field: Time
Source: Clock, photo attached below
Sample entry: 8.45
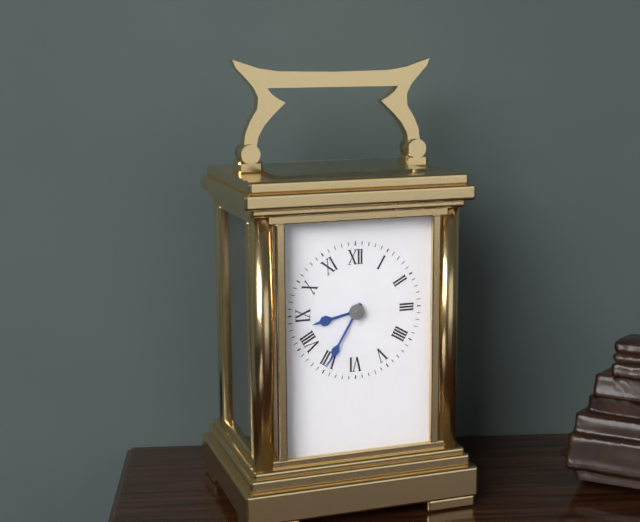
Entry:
8.35
